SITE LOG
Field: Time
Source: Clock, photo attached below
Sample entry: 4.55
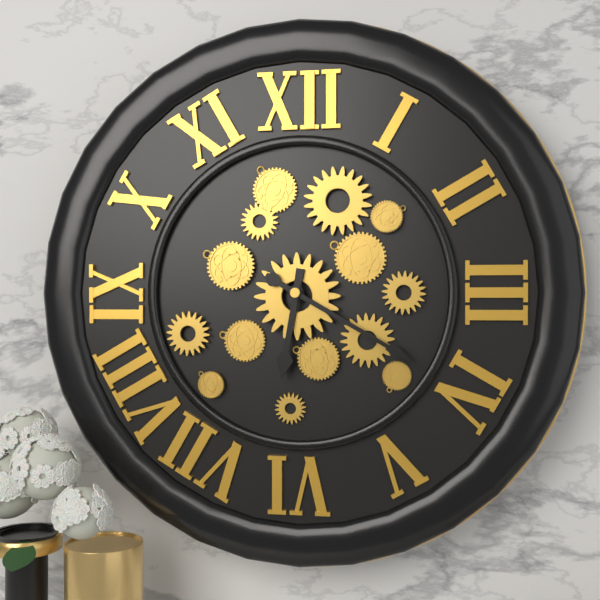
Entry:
6.20
